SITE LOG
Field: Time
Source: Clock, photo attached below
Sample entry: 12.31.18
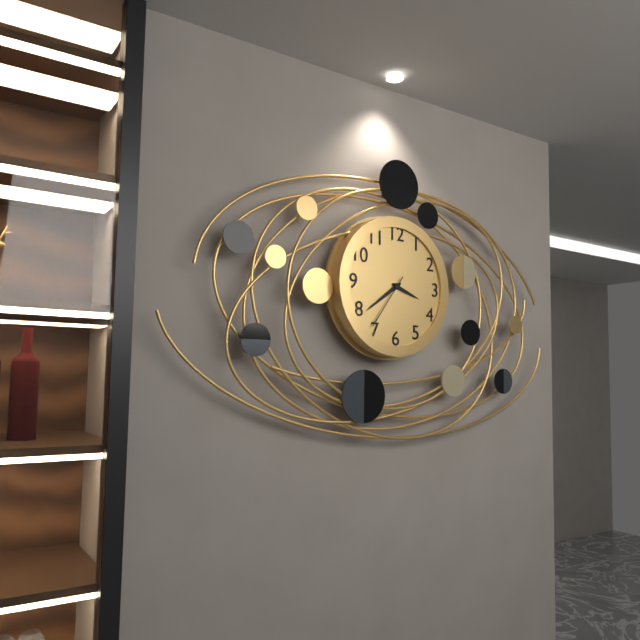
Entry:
3.39.36
